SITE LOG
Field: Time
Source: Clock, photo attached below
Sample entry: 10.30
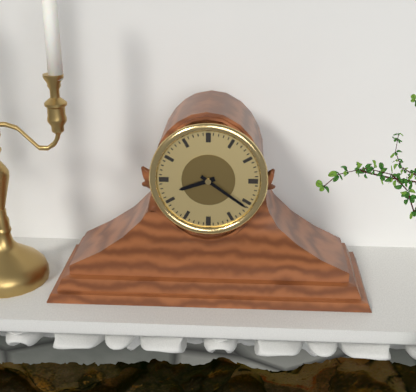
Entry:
8.21
